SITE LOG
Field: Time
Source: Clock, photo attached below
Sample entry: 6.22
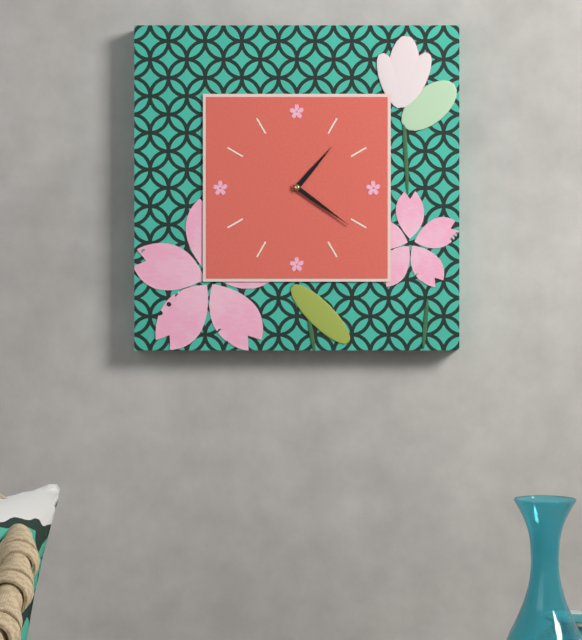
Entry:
1.21
